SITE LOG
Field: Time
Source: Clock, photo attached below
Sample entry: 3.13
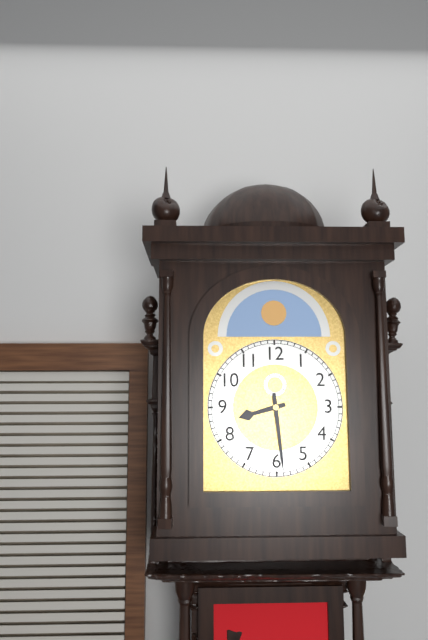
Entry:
8.29
